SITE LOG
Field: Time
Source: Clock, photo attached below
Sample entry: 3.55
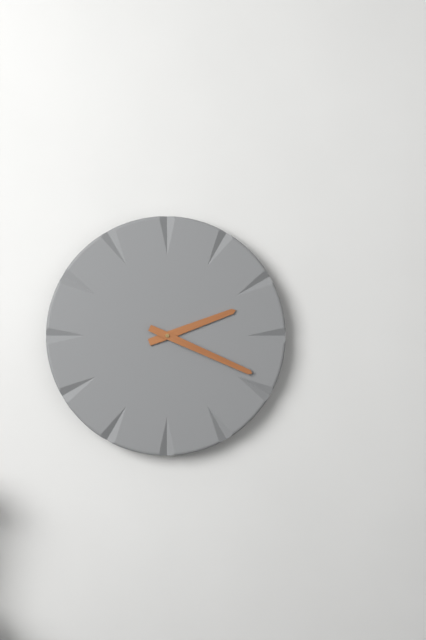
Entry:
2.19
